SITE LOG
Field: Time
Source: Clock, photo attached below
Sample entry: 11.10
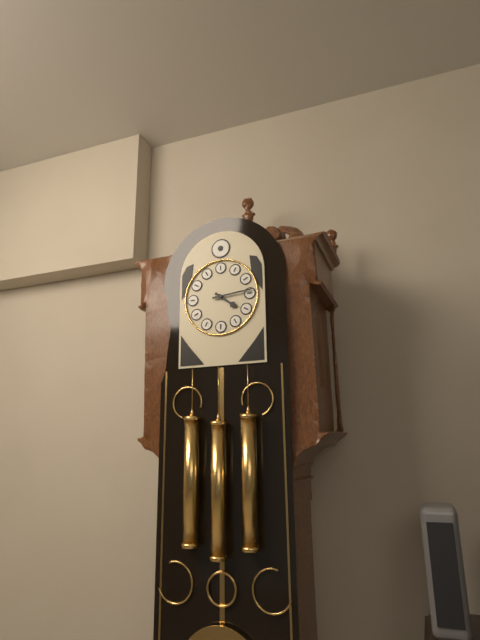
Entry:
4.14
